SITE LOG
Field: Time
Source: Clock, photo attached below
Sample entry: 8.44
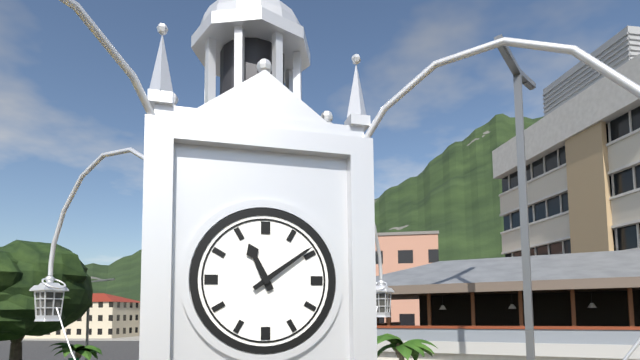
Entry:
11.09
